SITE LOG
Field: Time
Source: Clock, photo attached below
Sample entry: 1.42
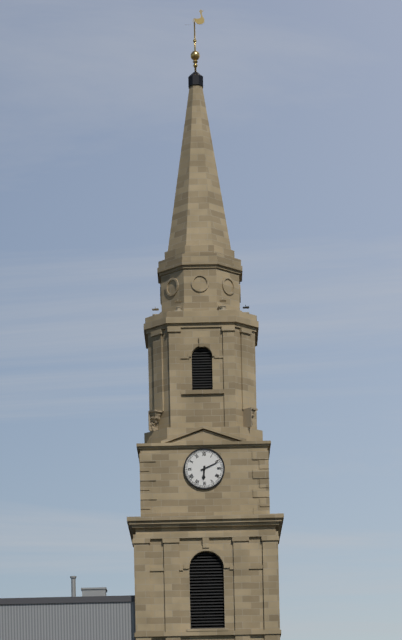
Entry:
6.11
